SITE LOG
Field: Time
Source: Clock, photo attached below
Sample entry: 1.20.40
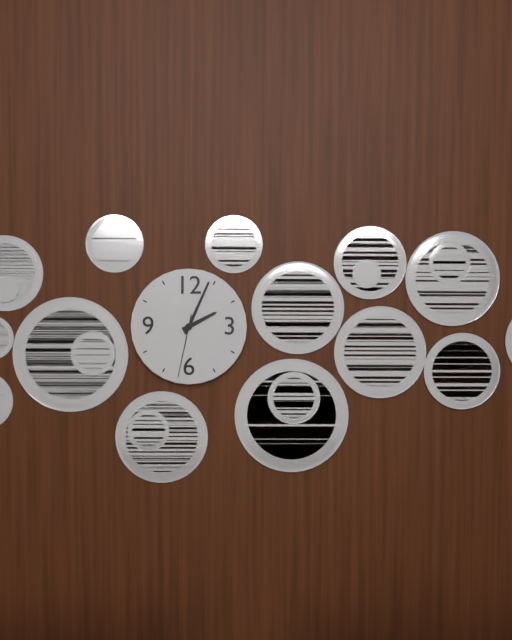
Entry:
2.04.32
